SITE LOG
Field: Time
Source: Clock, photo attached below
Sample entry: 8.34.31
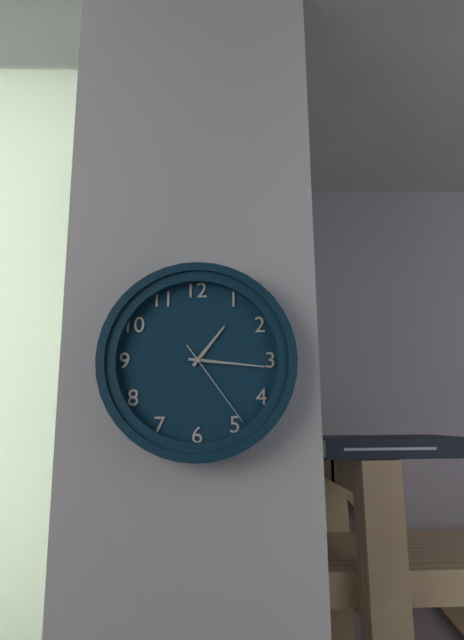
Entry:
1.16.24
